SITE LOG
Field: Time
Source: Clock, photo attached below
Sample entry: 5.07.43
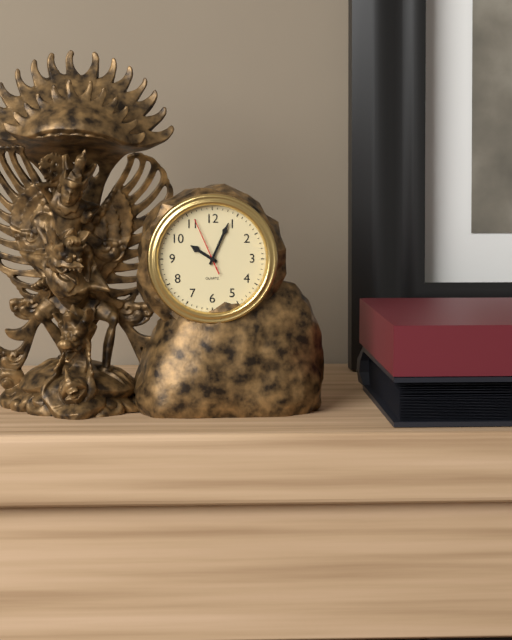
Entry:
10.04.56
